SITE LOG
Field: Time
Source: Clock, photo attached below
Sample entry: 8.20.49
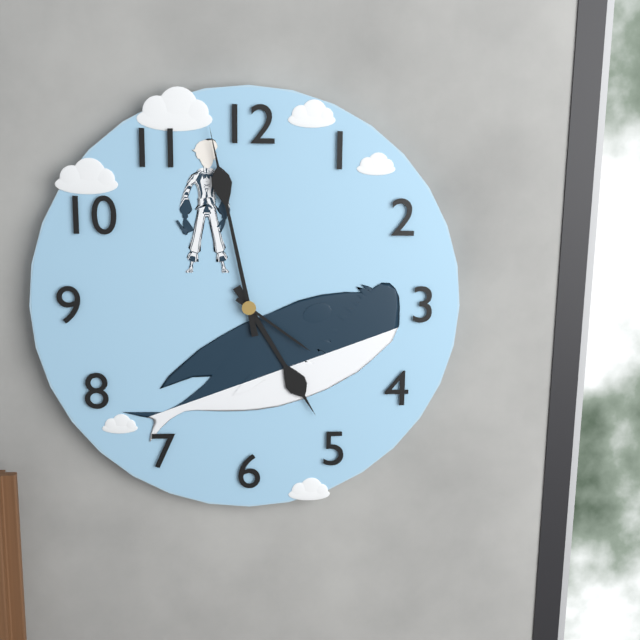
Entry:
4.58.21
